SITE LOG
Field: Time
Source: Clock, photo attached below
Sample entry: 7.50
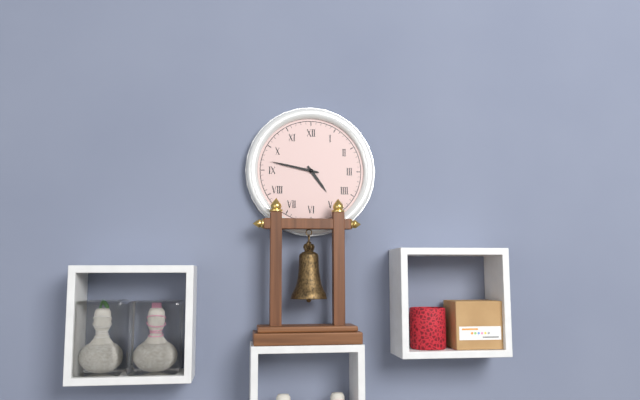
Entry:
4.47
